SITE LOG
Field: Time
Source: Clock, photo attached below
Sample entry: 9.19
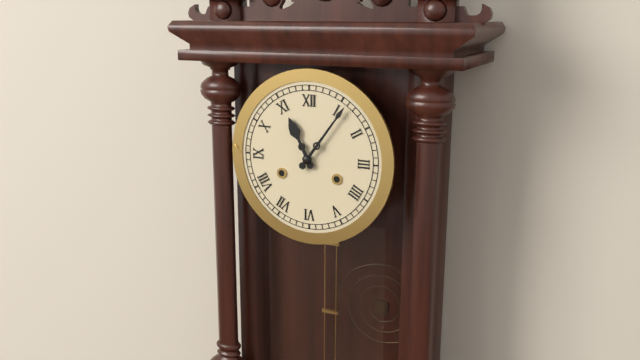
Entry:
11.06
